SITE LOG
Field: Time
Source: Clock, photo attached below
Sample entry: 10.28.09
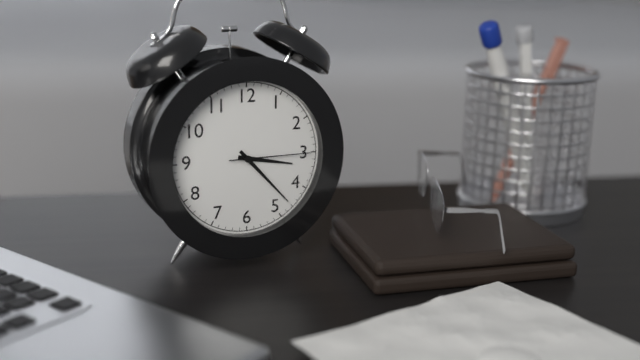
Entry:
3.23.15
